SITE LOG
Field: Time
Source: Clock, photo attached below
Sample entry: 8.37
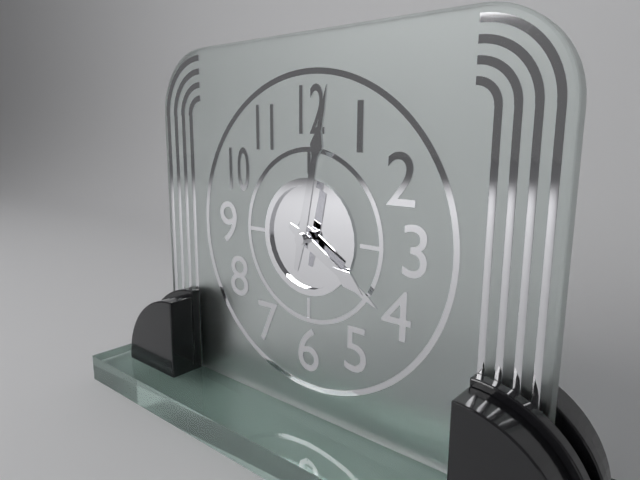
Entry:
4.02
